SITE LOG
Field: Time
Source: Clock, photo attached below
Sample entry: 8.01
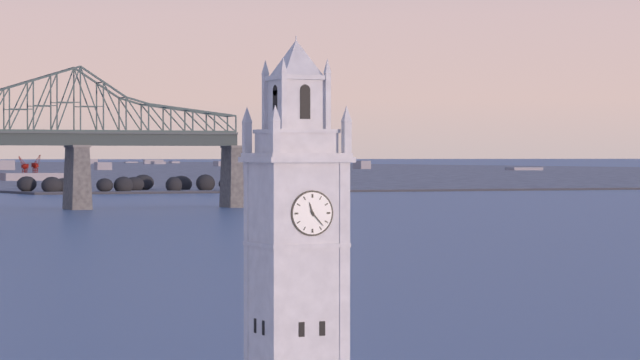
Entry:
11.23
